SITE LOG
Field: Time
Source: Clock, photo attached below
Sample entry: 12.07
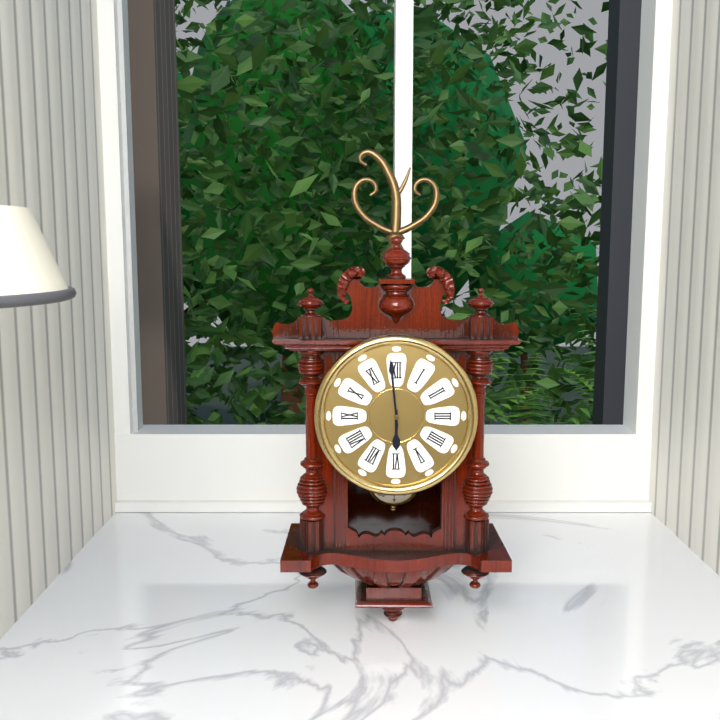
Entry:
5.59
